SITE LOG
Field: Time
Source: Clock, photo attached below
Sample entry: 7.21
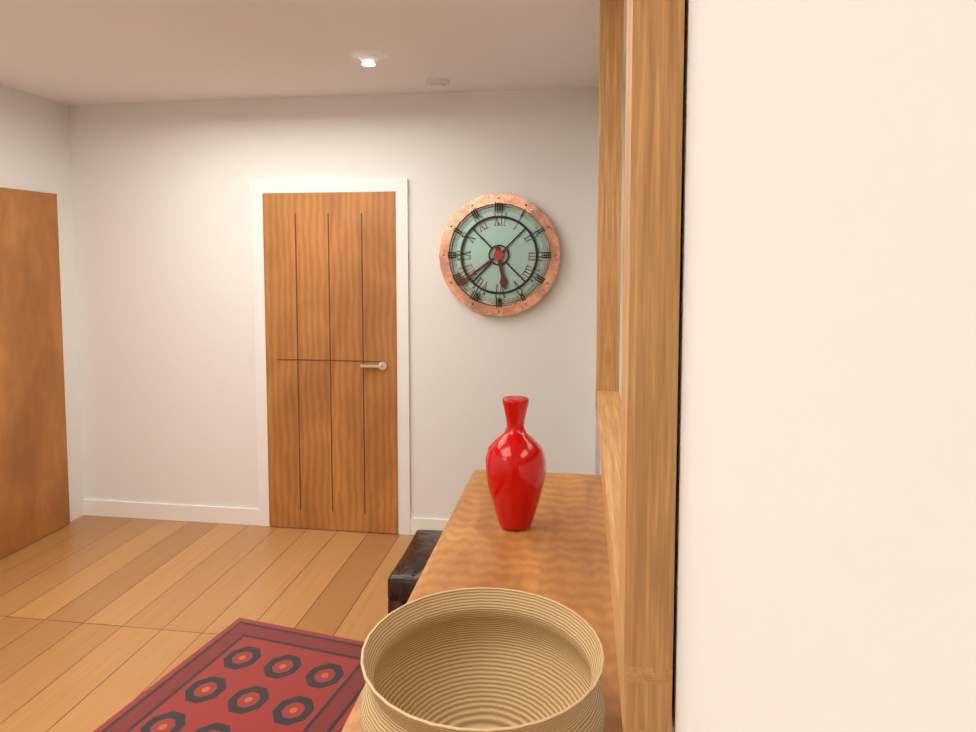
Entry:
5.39
